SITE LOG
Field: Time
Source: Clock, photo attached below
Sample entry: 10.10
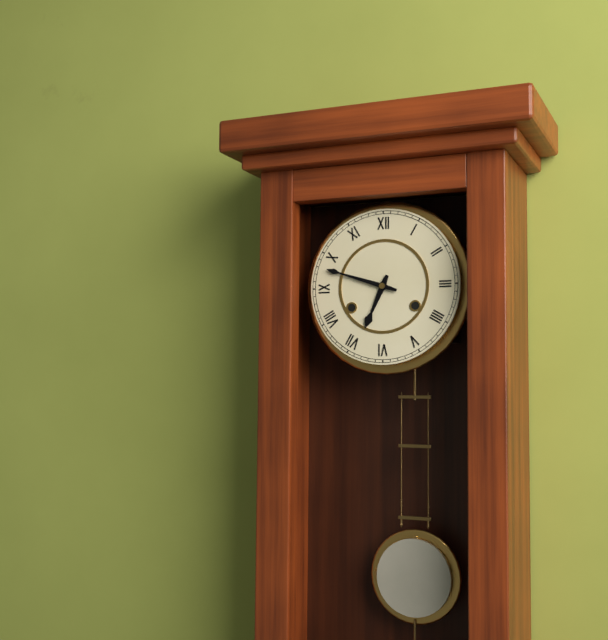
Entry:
6.48
